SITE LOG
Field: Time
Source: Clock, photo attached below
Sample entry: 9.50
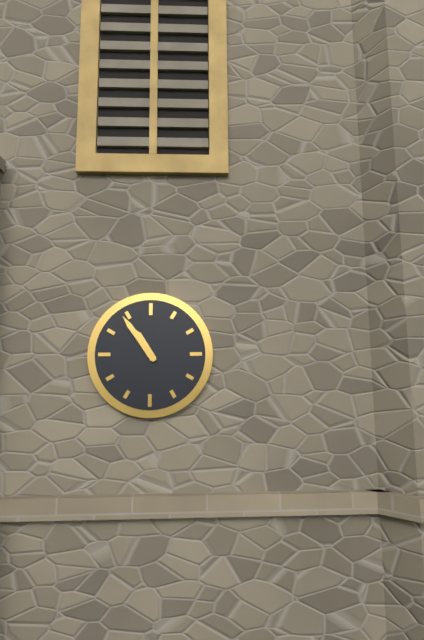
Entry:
10.54
